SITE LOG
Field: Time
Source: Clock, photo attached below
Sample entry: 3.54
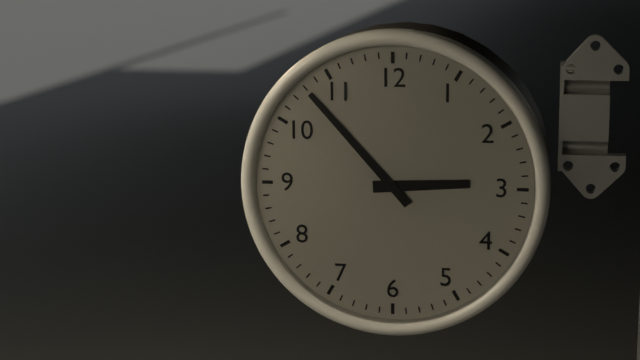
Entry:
2.53
